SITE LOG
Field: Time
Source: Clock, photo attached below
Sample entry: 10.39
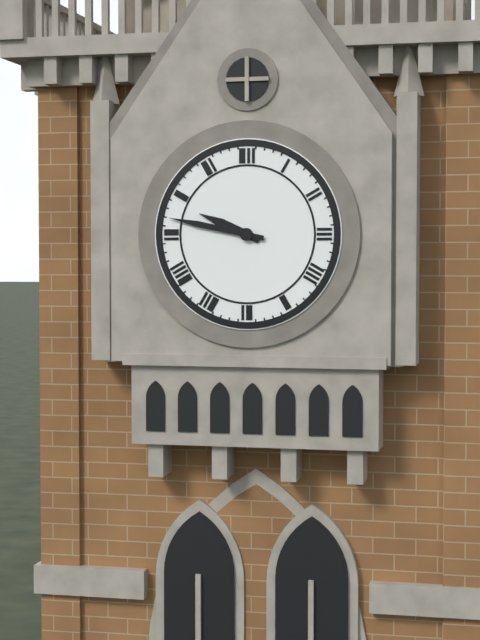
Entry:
9.47
